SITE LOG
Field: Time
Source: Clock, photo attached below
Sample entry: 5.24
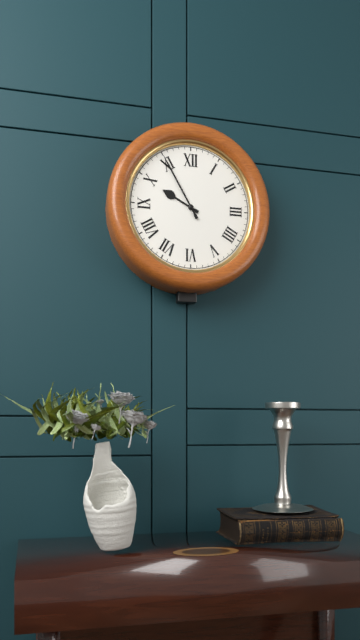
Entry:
9.55
